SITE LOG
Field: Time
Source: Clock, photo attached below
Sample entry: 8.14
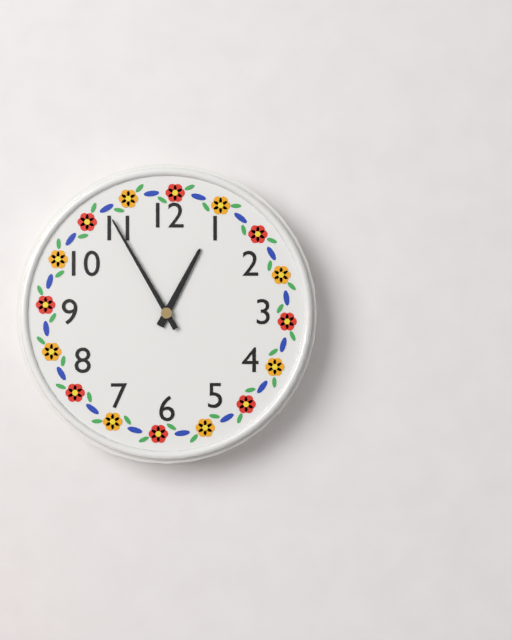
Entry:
12.55
